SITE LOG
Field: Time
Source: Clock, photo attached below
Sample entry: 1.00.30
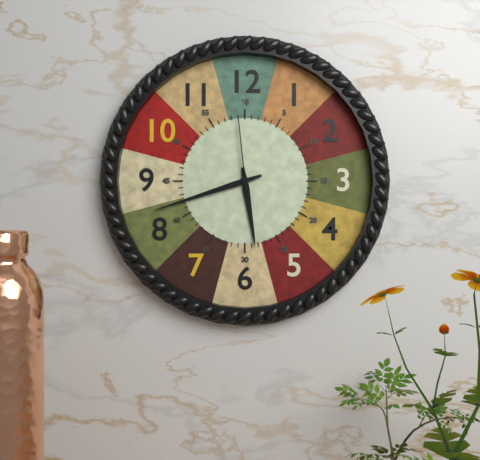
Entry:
5.42.59
